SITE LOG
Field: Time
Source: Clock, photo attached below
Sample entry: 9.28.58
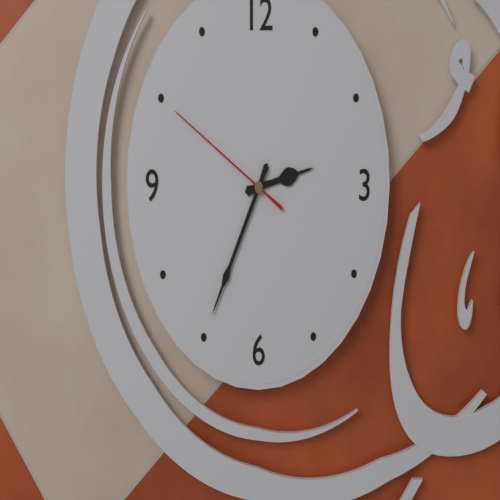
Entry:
2.35.50
